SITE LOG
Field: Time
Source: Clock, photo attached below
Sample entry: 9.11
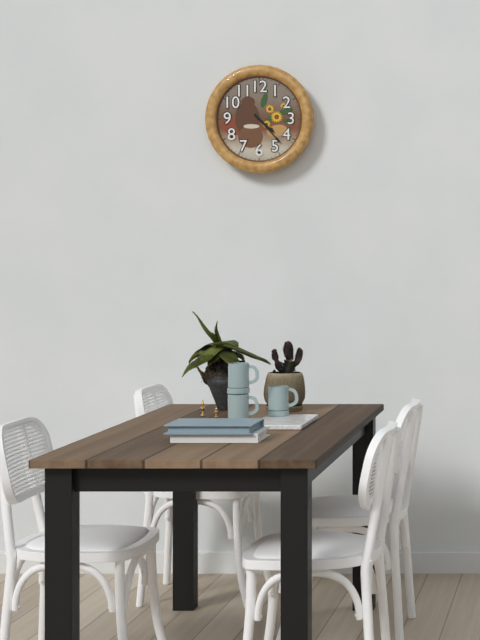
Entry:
4.23
